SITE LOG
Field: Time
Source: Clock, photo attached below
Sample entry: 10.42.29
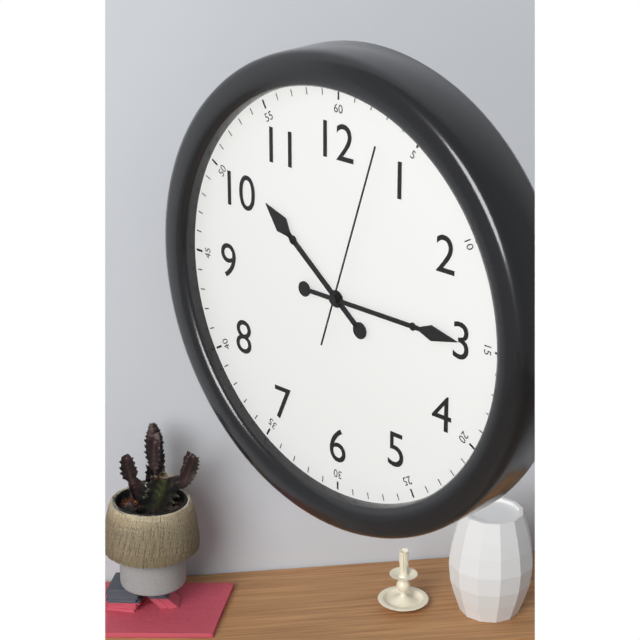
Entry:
10.15.03
